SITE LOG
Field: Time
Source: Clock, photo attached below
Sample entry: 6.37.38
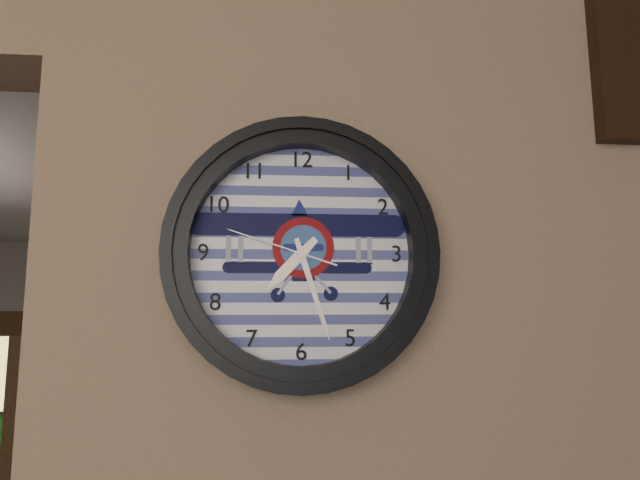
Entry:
7.27.48
